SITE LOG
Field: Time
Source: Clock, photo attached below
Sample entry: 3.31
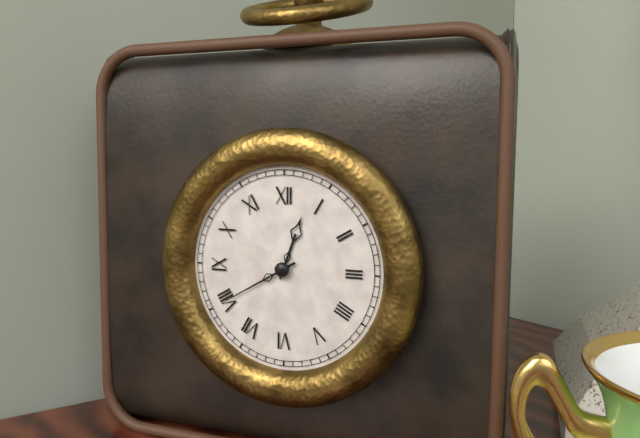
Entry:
12.40
